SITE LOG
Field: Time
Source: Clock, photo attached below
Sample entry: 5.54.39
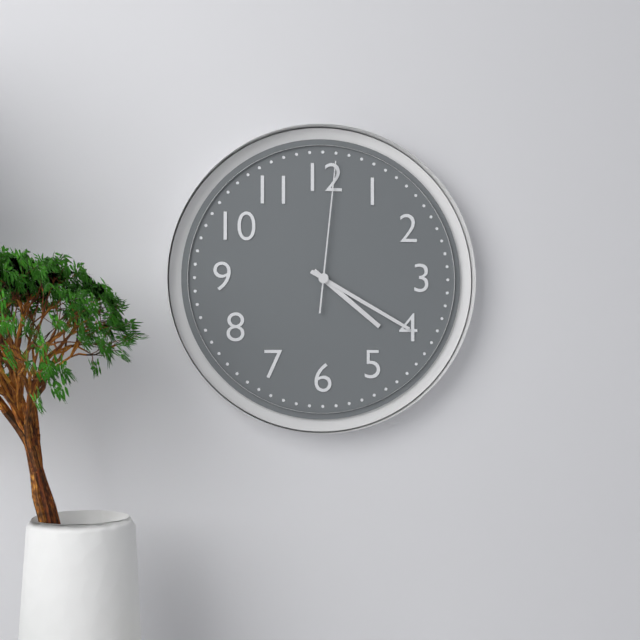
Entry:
4.20.01
